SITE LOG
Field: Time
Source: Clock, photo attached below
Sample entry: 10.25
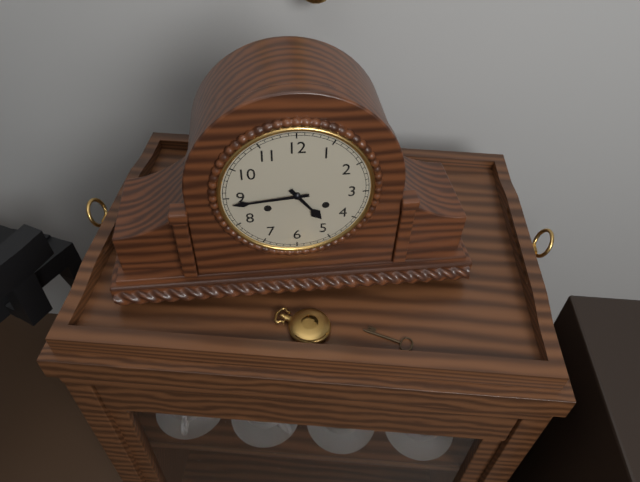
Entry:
4.44
